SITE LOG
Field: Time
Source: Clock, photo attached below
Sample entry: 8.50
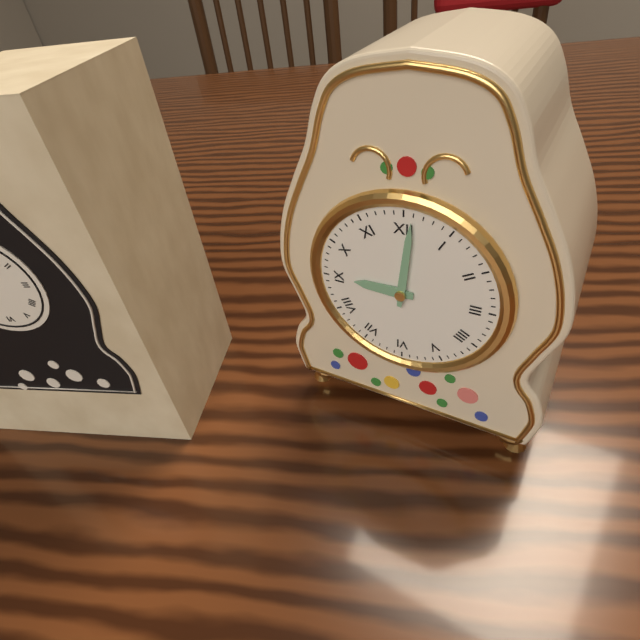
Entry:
9.01
